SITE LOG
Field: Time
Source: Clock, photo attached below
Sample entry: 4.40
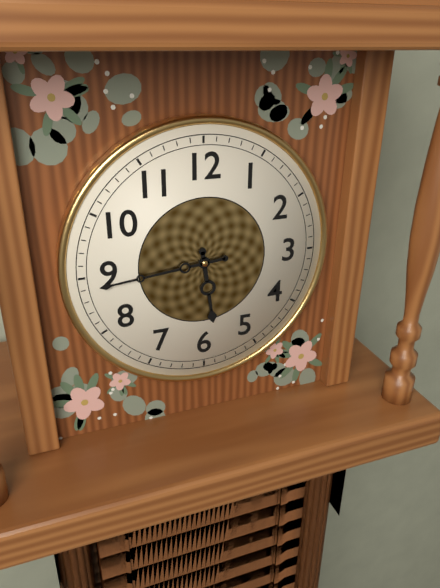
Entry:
5.44
